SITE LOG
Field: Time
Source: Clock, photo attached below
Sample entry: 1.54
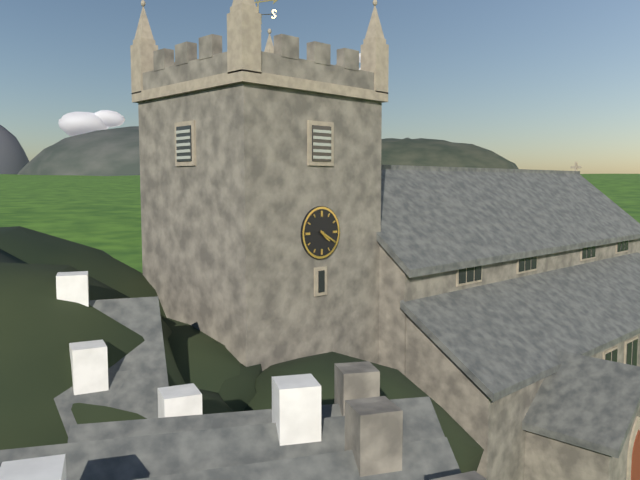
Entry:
4.20
